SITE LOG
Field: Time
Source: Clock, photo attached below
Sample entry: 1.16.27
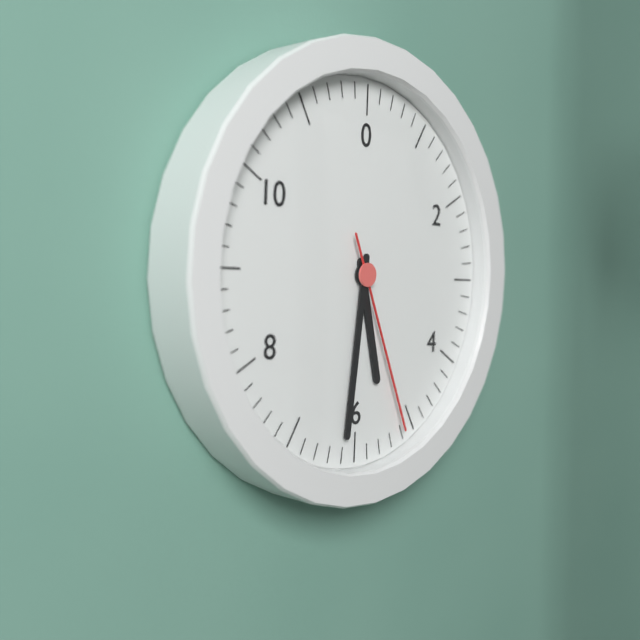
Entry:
5.31.26
